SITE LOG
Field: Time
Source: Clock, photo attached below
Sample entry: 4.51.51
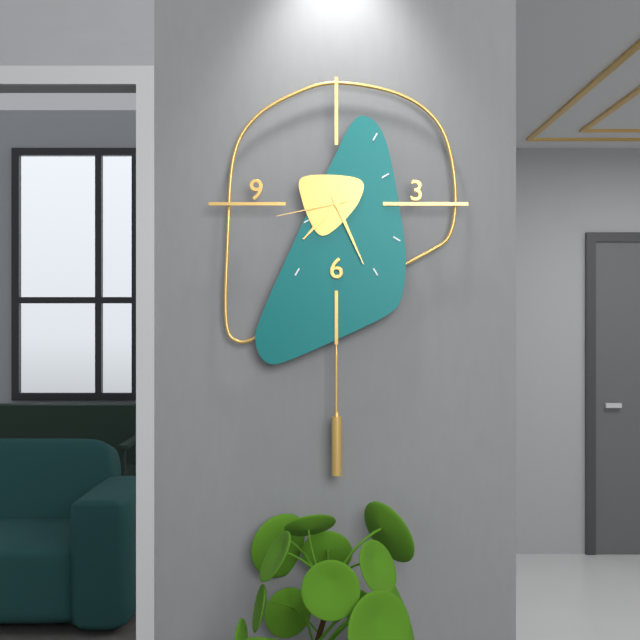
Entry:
7.26.43
